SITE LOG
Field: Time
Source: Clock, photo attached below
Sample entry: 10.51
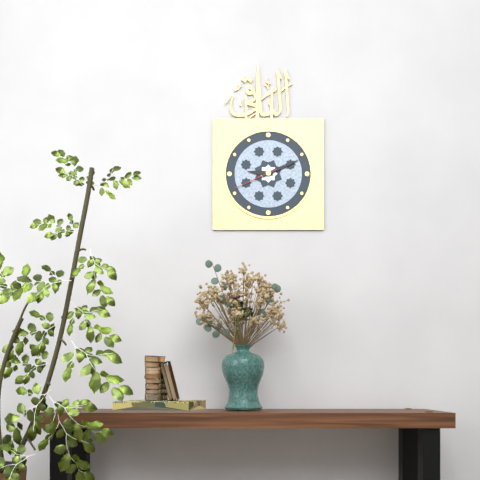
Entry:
9.11
